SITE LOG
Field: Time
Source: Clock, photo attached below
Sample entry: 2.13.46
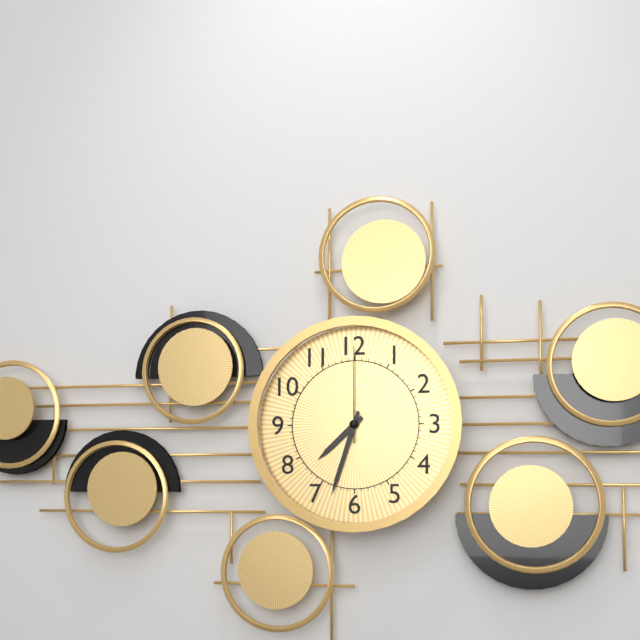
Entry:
7.33.00
